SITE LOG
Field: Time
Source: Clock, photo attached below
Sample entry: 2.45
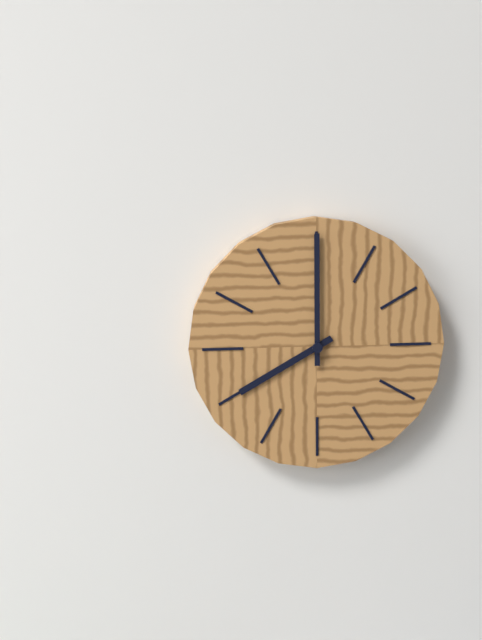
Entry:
8.00
